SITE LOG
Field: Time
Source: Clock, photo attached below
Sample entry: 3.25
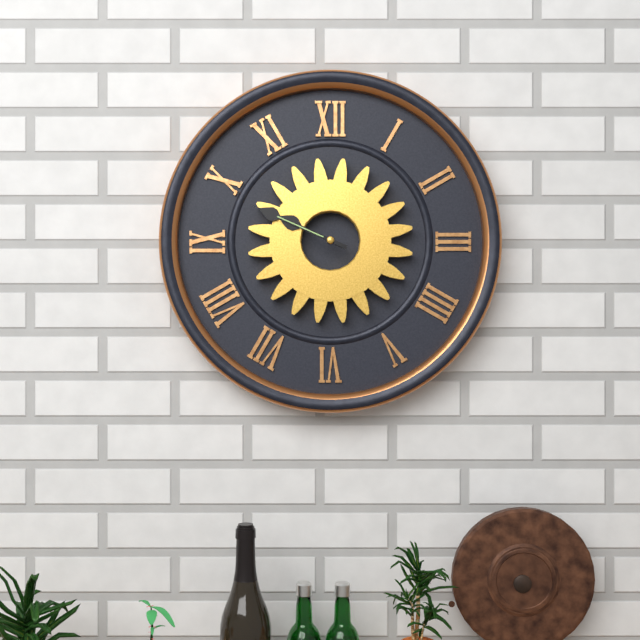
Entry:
9.49
